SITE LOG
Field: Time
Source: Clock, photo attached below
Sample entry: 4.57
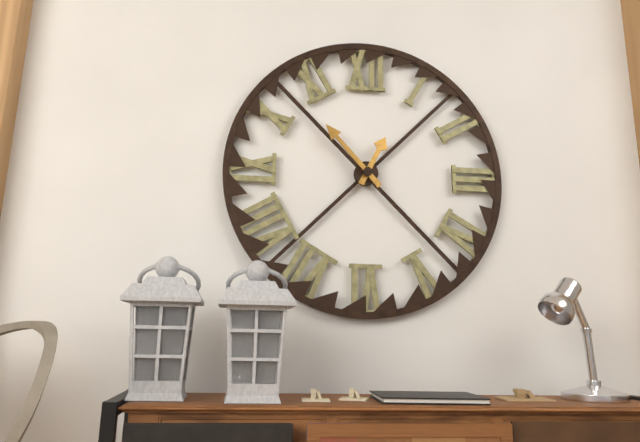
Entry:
12.53
